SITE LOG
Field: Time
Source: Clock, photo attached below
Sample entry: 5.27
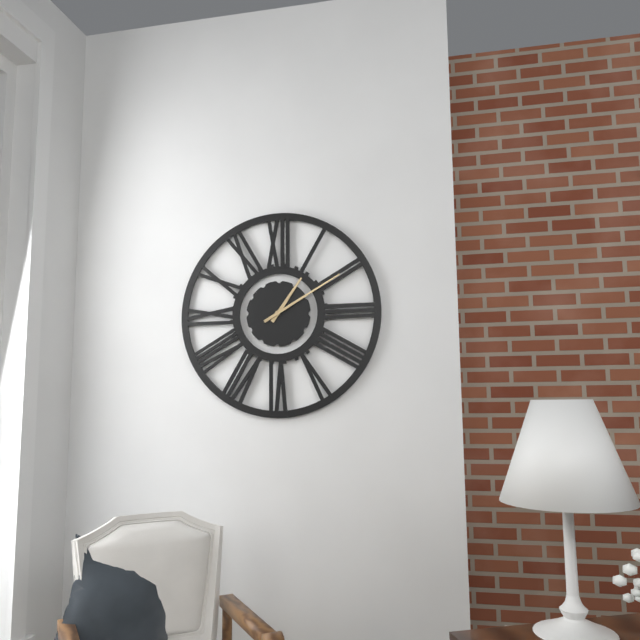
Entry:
1.10
